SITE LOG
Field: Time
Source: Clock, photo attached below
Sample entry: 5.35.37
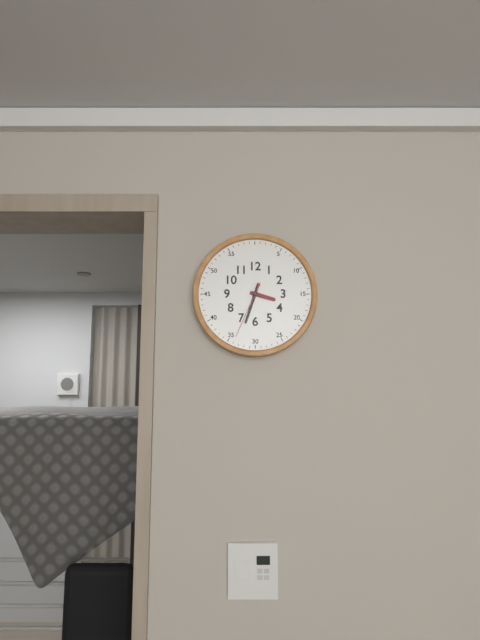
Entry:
3.33.34
